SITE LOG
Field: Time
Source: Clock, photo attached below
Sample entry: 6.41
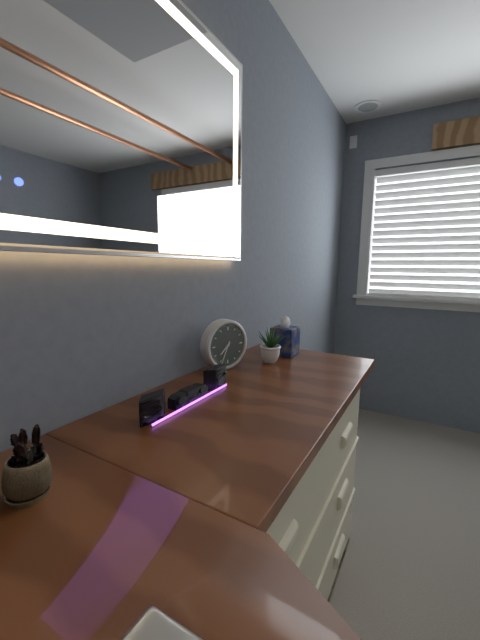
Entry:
7.34
